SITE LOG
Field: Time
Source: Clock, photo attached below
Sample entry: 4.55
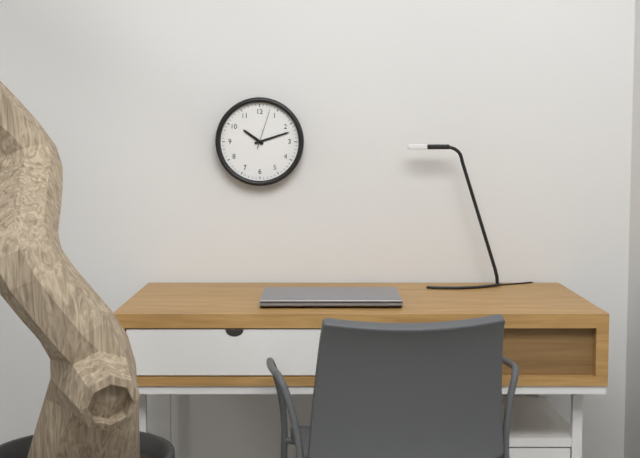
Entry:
10.12
